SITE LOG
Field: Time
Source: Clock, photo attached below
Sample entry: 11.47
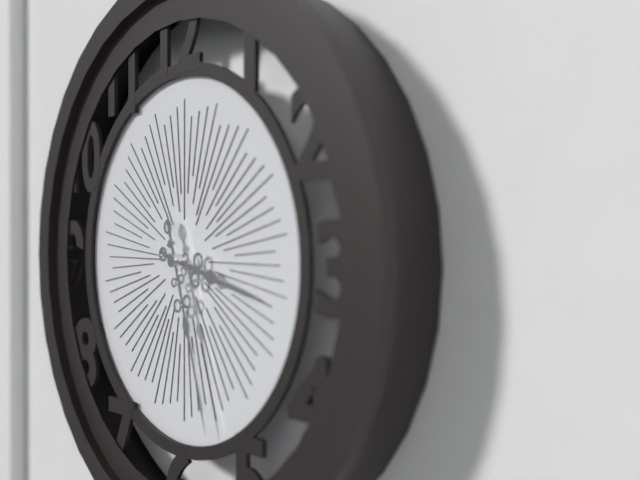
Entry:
3.27
